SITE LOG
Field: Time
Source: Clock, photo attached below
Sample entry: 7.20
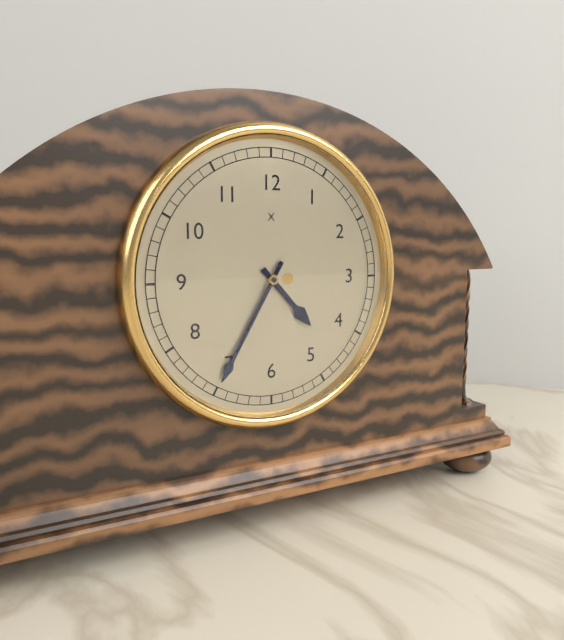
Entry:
4.35
